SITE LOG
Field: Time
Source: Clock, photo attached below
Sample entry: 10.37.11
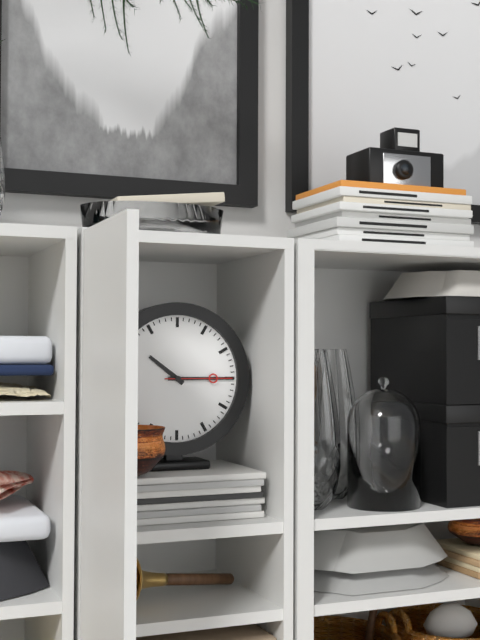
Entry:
10.15.15
